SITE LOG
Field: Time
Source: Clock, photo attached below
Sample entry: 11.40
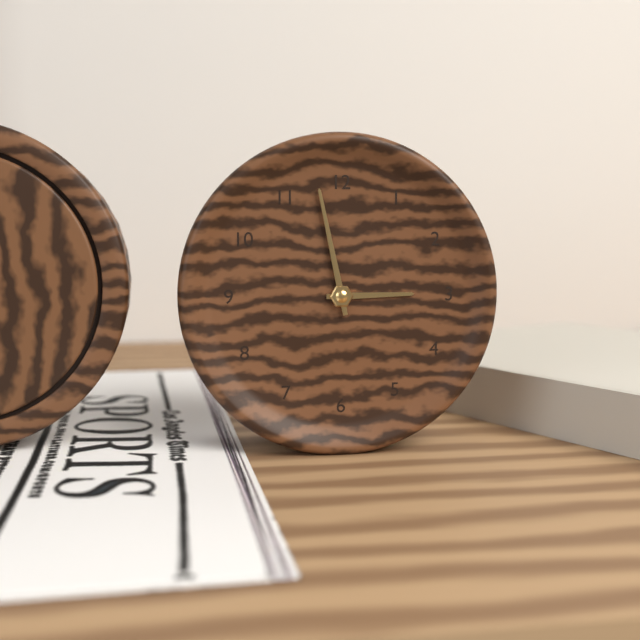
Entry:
2.58
